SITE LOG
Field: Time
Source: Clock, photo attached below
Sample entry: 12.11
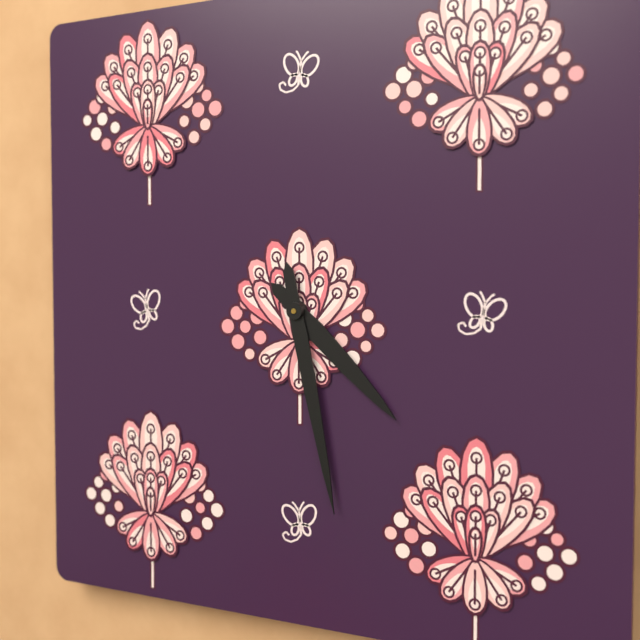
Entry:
4.28
